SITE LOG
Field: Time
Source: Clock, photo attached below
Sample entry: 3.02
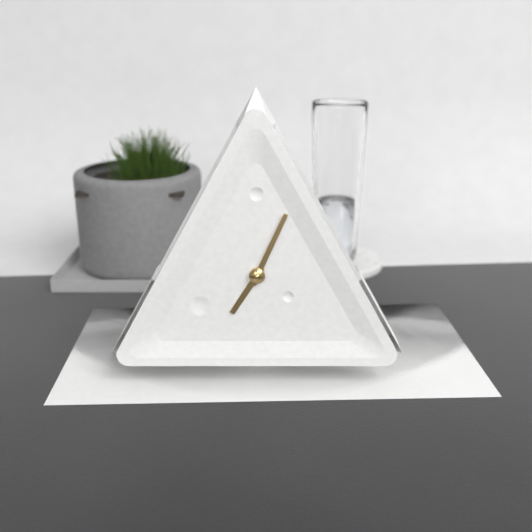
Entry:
7.04
